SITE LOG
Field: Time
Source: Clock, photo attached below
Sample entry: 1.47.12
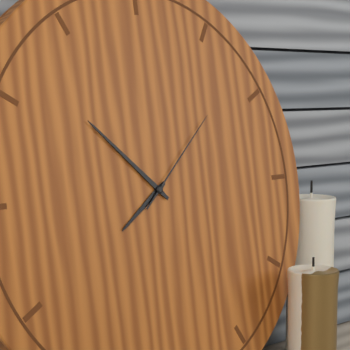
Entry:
7.52.08
